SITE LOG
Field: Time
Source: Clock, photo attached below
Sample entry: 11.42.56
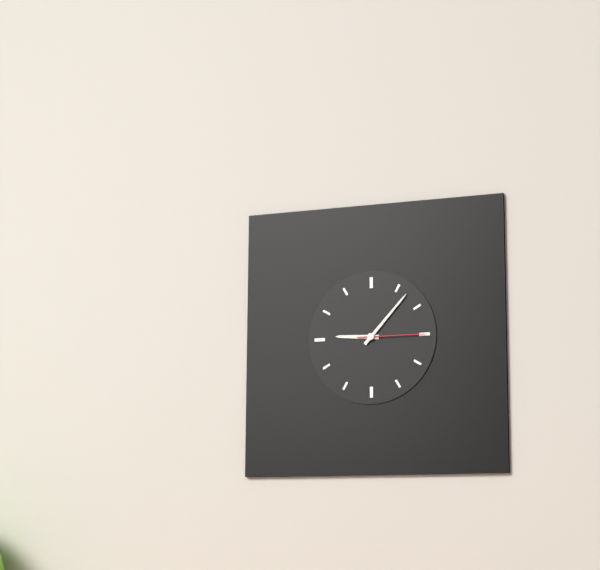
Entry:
9.07.15
